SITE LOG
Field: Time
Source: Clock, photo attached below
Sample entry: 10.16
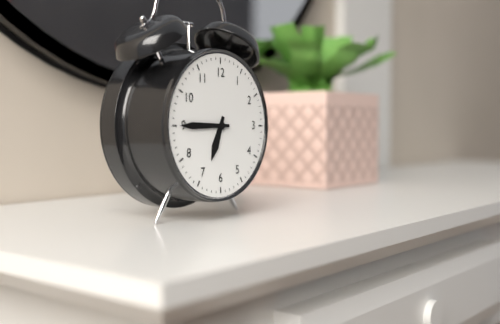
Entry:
6.45
